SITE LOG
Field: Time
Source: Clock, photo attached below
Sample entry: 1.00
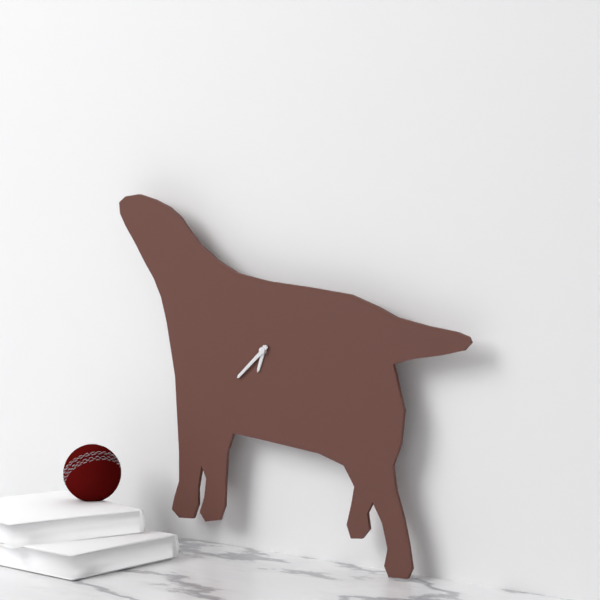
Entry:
6.38
